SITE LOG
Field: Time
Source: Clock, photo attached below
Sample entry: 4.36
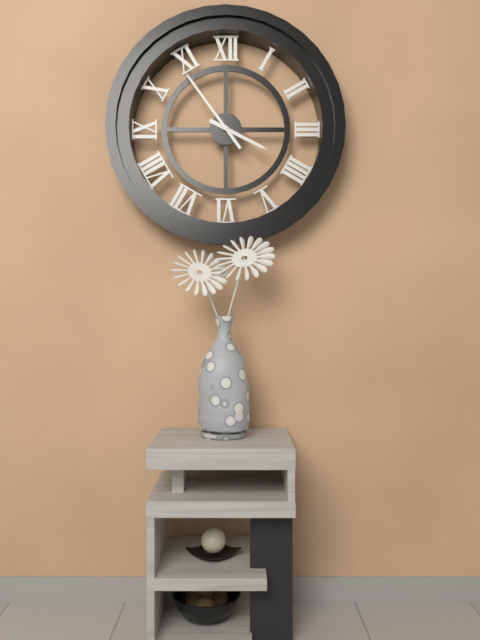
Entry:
3.54
